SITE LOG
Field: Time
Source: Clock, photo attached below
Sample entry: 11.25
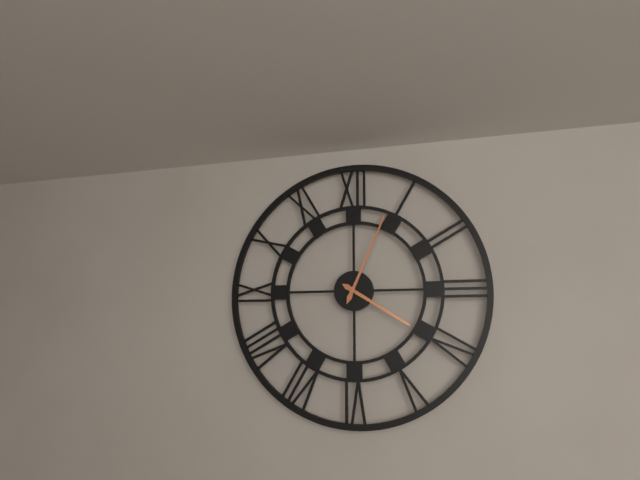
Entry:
4.04
